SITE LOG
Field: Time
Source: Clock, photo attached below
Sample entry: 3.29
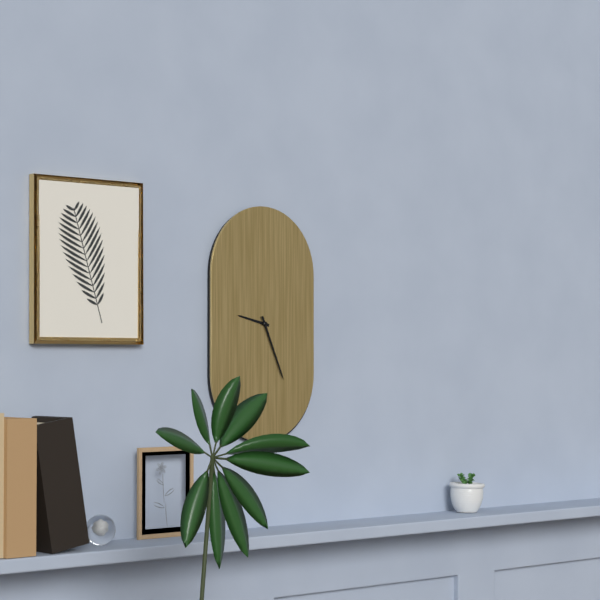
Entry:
9.26
